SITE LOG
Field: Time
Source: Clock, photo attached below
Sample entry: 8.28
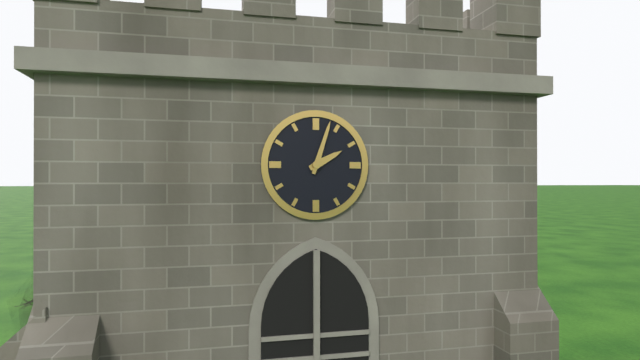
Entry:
2.03
